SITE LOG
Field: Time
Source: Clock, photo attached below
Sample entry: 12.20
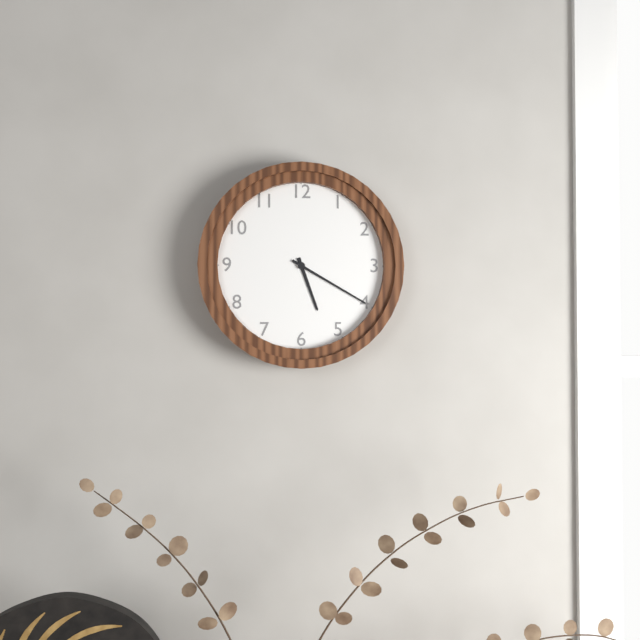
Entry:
5.20
